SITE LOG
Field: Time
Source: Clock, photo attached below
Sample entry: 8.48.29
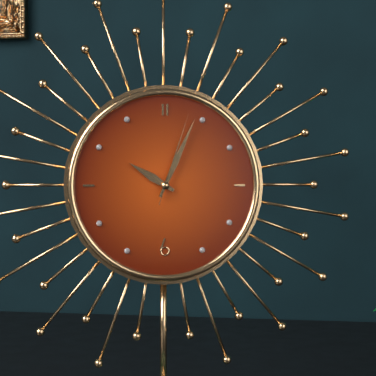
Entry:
10.04.03
